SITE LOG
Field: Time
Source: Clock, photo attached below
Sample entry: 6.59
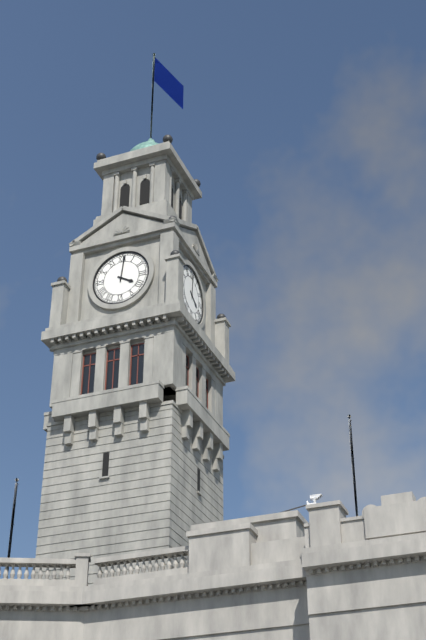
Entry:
4.01
